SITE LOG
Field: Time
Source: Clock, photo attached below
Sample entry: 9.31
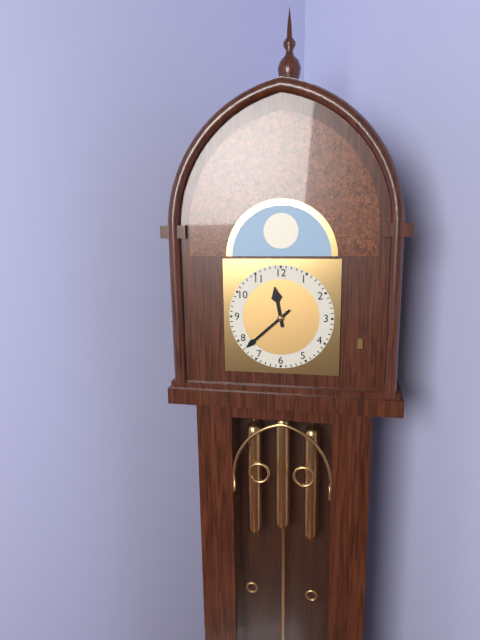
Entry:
11.38
